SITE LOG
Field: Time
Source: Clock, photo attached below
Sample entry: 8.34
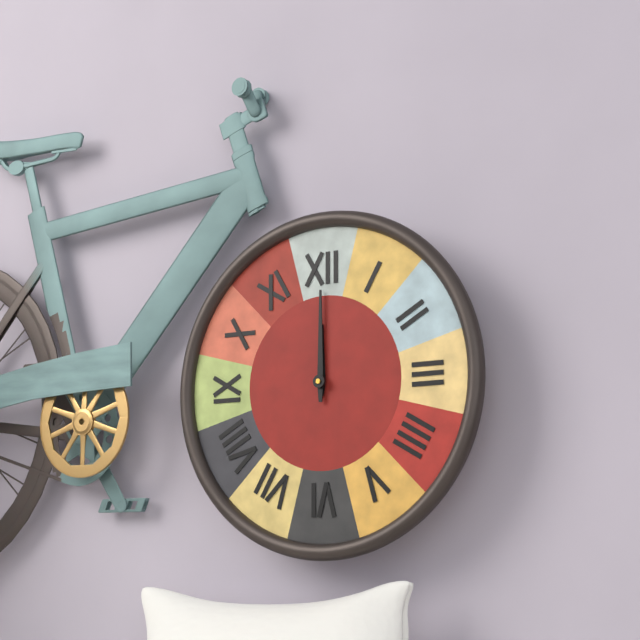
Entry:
12.00
